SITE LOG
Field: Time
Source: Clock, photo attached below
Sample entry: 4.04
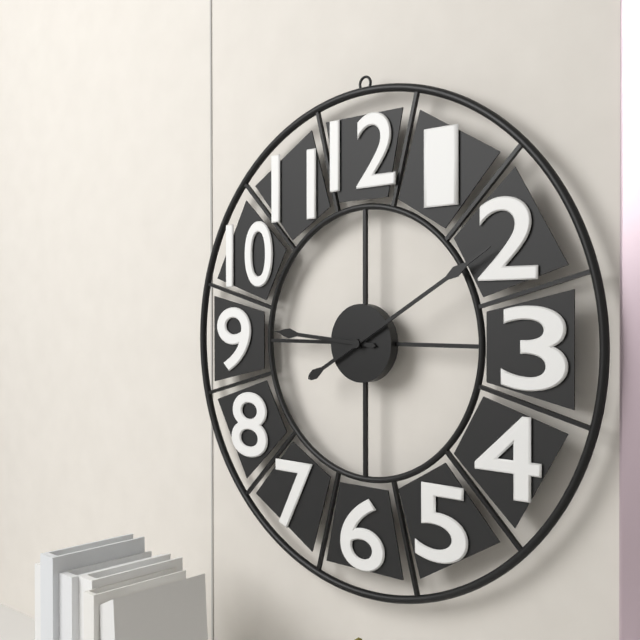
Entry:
9.10
